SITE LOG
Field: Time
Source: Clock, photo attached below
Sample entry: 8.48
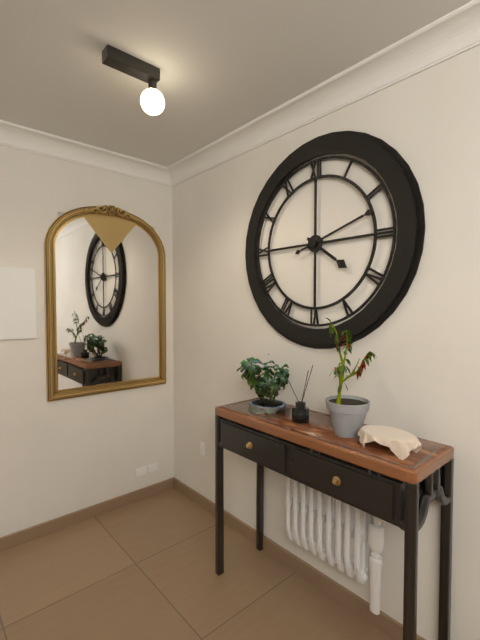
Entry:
4.12
